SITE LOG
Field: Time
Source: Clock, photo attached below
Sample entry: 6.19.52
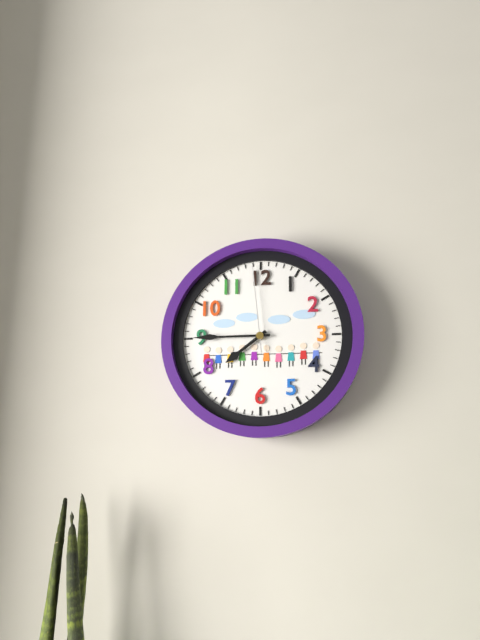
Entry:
7.45.59
